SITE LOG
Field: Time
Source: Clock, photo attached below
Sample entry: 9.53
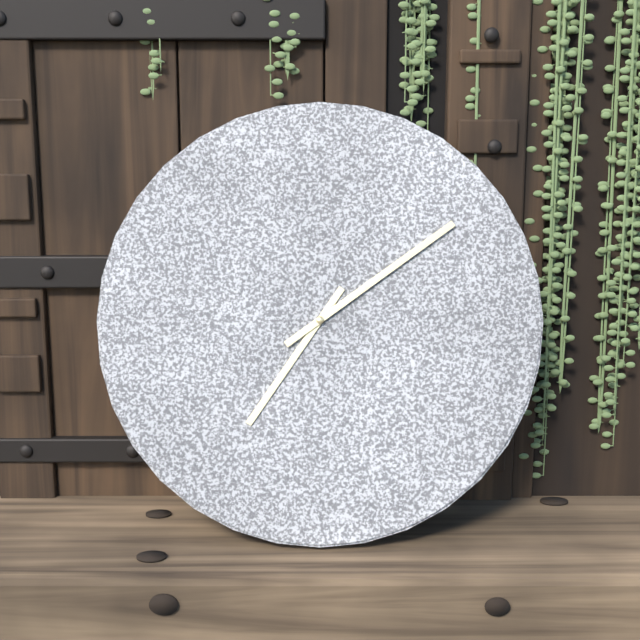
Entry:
7.09
